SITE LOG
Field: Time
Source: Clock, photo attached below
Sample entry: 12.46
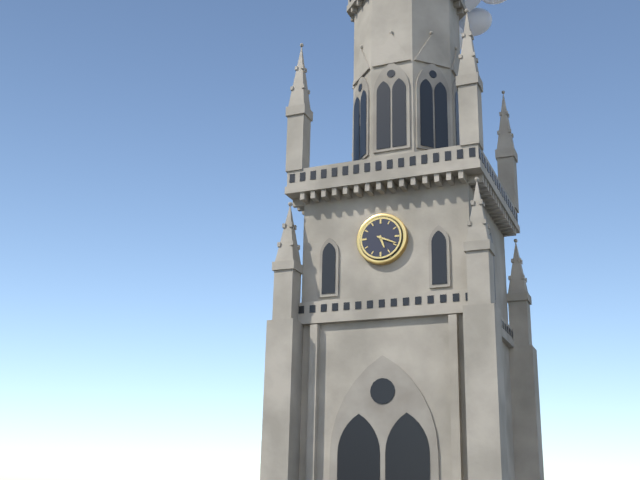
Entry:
5.19
